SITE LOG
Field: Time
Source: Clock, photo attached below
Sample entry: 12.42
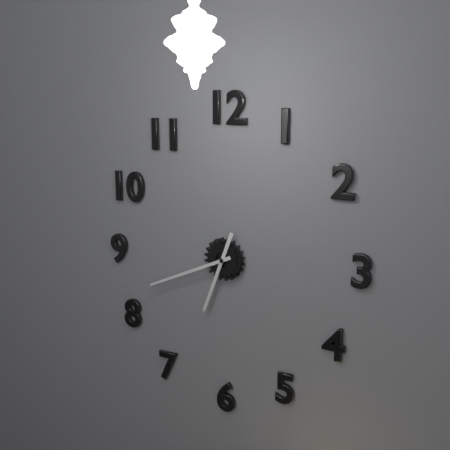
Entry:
6.41
